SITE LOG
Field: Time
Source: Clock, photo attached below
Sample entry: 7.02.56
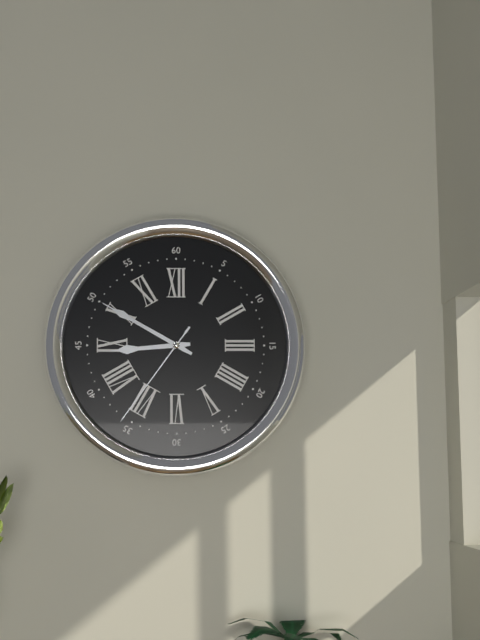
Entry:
8.50.36
